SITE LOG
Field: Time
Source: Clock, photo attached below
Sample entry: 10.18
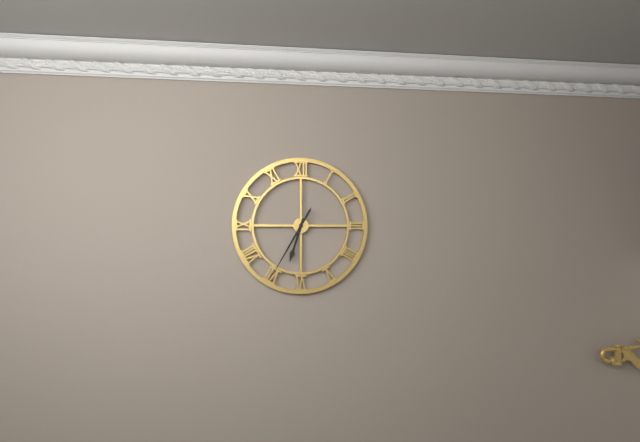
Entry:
6.35
